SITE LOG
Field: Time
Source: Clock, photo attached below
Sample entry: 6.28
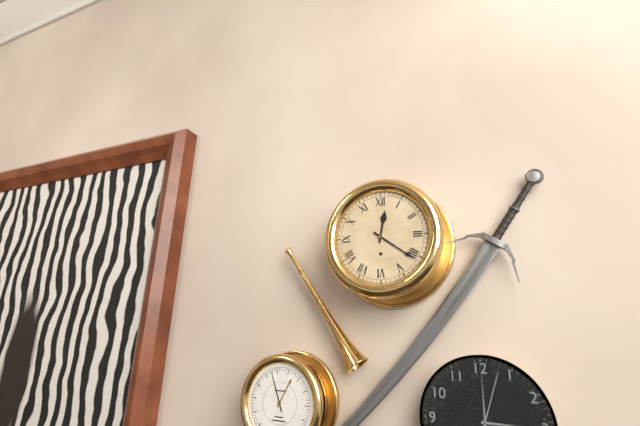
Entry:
12.21
